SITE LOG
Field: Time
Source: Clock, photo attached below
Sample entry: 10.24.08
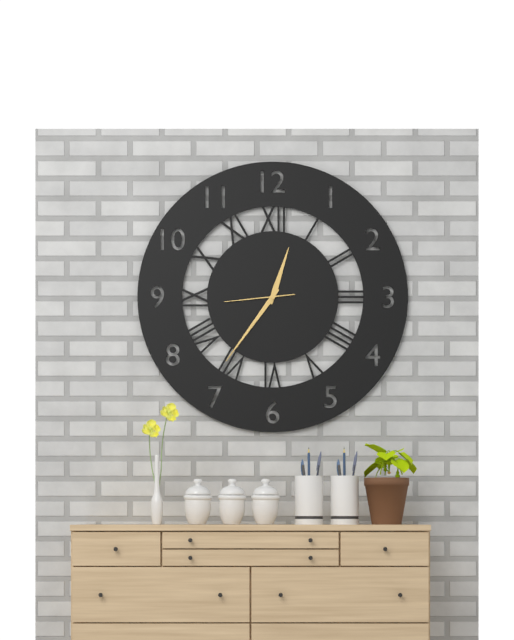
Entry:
12.36.44
